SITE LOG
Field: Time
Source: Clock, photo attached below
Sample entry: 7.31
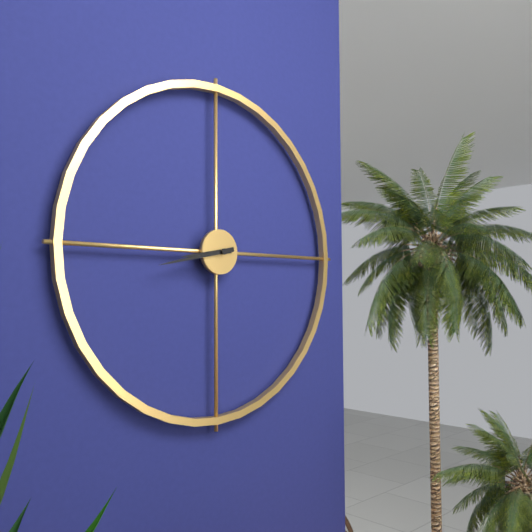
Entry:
8.43
